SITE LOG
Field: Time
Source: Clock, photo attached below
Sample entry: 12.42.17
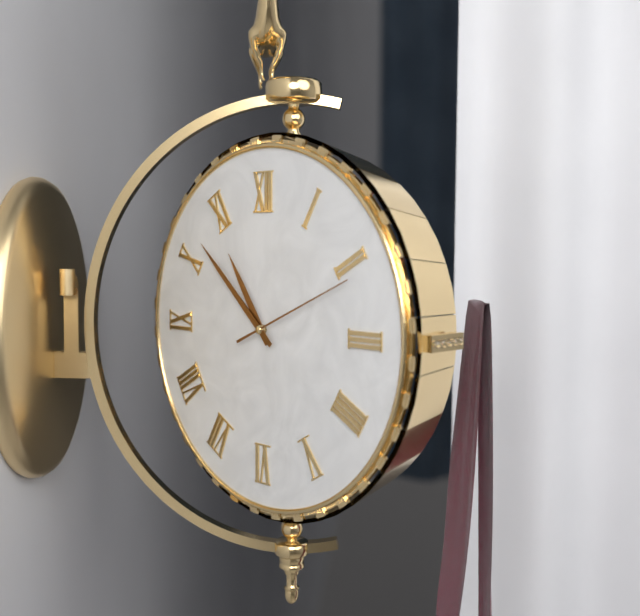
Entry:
10.52.11
